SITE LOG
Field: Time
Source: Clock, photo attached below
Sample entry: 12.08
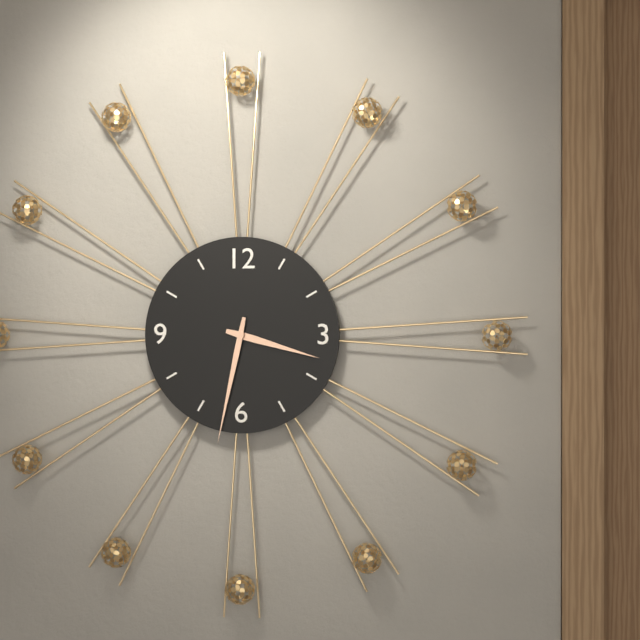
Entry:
3.32
